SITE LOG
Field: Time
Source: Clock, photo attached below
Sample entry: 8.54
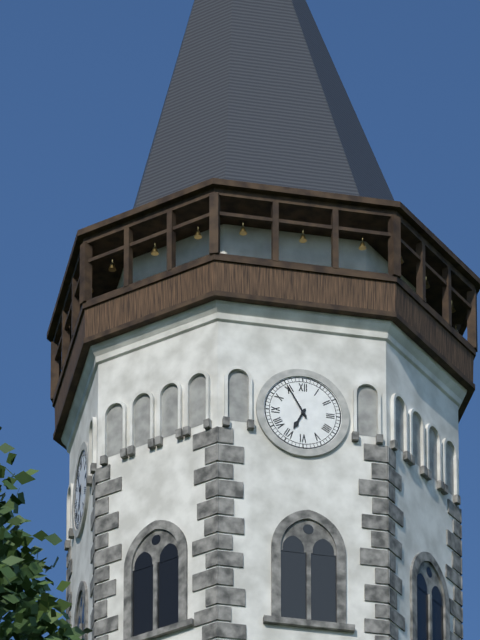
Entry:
6.55
